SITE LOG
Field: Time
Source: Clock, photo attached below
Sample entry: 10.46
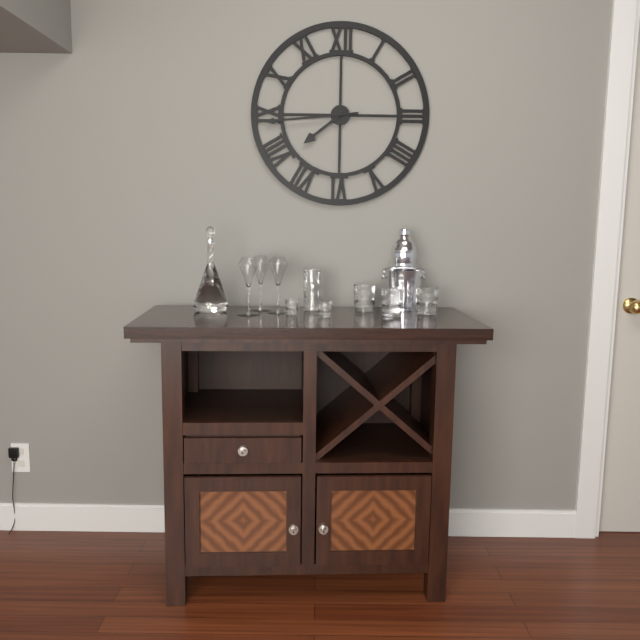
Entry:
7.44
